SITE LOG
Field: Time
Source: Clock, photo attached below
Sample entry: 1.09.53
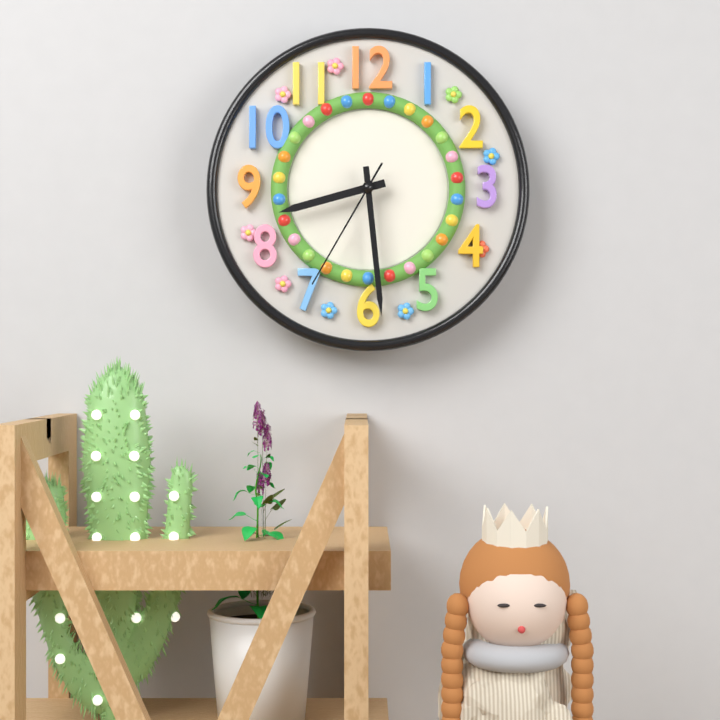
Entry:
8.29.35
